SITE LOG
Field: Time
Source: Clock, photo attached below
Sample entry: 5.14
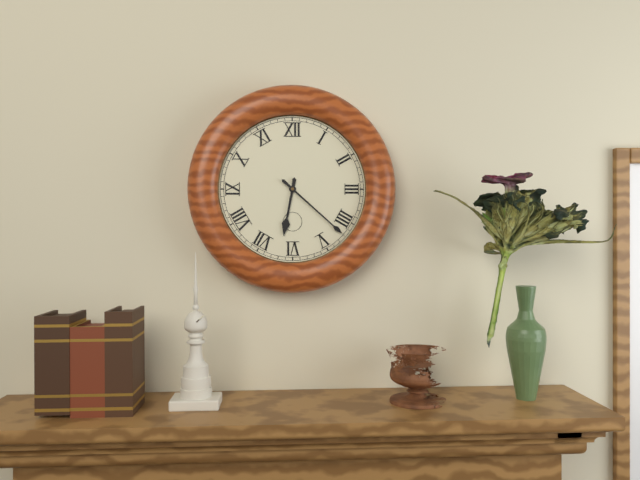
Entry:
6.22
